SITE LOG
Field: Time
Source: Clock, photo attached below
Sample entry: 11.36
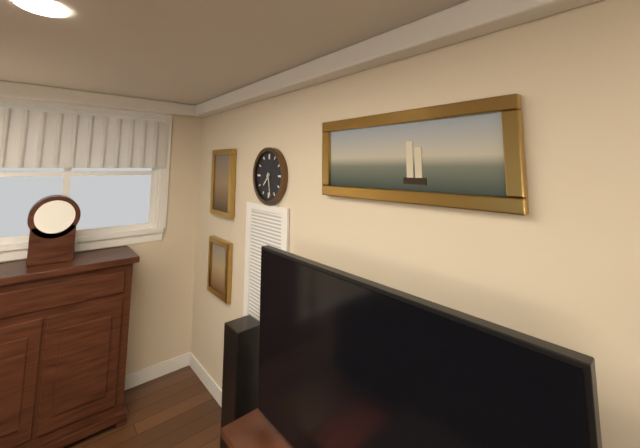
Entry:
7.28
